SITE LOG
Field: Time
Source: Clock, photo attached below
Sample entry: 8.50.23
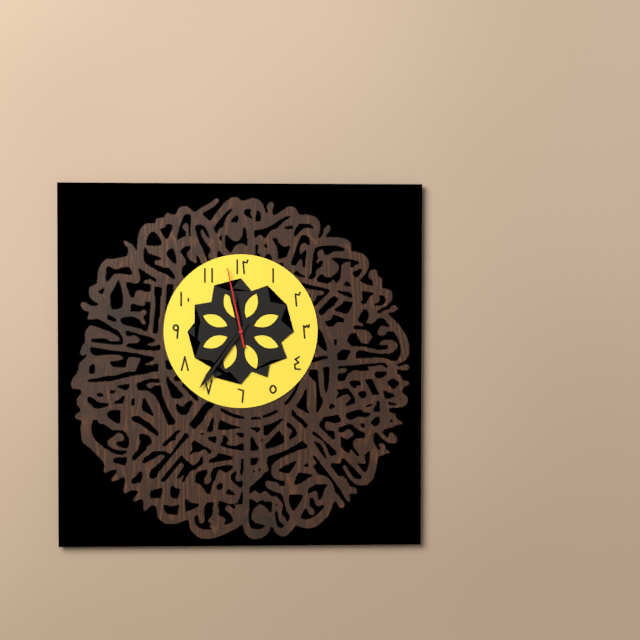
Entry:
11.36.58
